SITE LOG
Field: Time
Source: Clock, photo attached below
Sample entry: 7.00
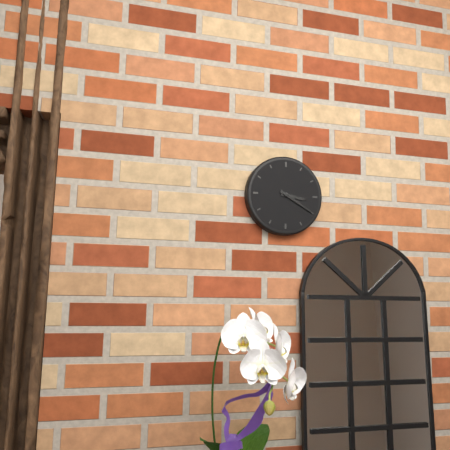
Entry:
3.20
